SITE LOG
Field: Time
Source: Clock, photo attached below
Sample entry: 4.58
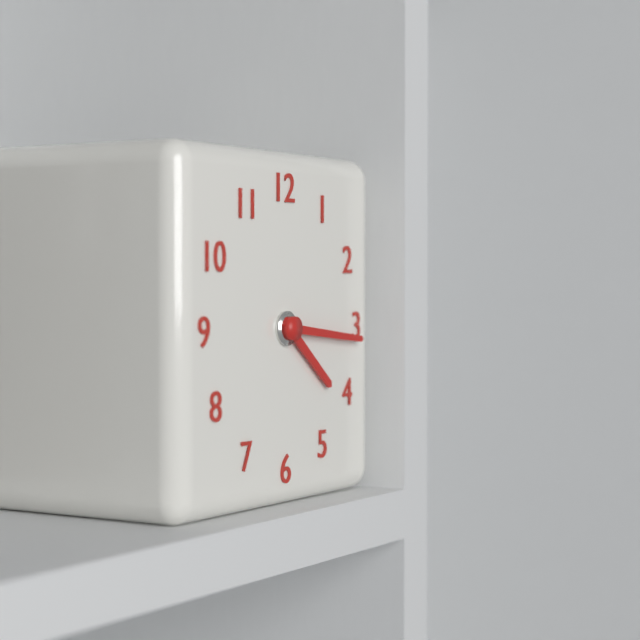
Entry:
4.16
